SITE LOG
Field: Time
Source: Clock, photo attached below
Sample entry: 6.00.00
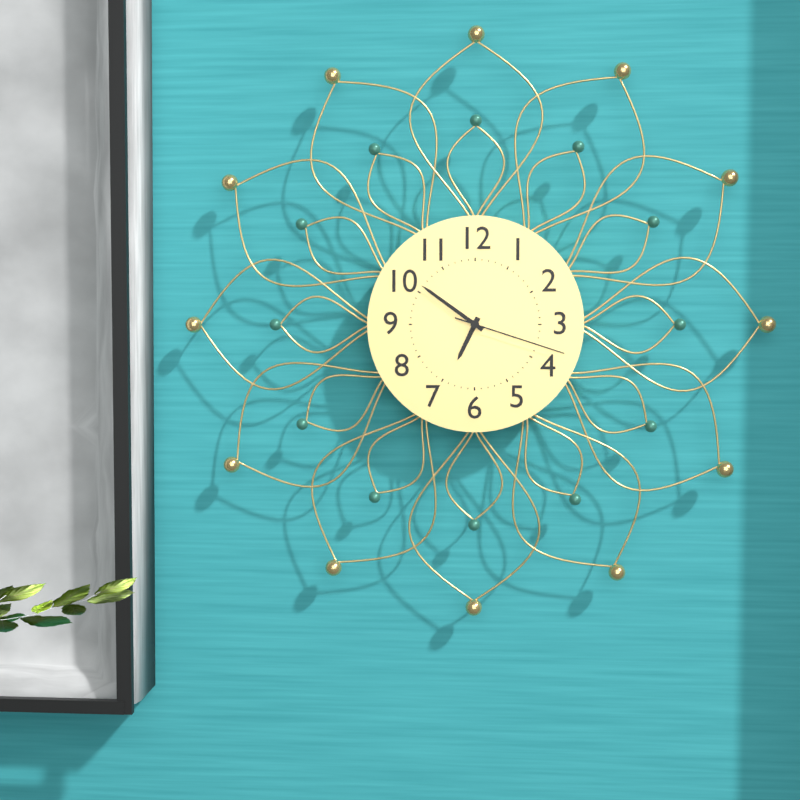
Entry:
6.51.18
